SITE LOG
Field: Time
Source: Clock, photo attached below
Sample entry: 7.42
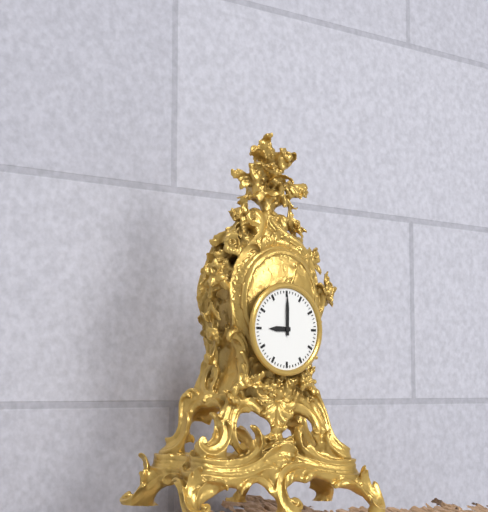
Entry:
9.00
